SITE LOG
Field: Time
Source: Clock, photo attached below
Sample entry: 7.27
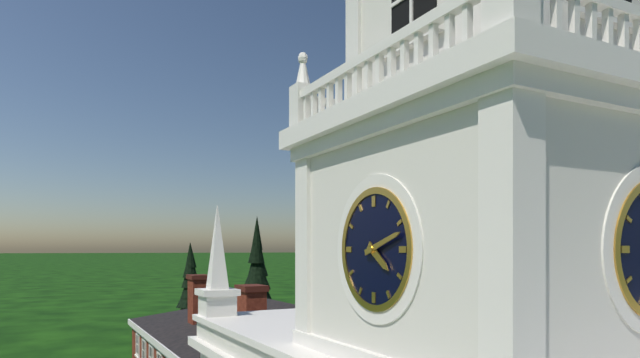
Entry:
4.12
